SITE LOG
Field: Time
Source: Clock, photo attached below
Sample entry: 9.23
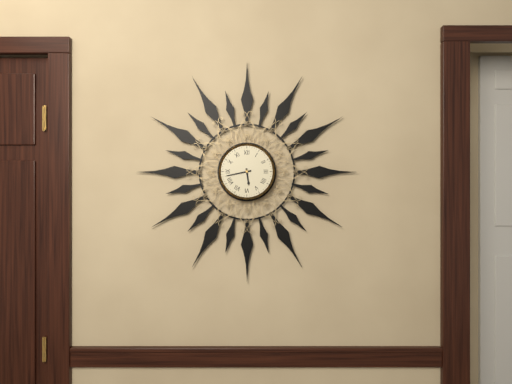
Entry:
5.43
